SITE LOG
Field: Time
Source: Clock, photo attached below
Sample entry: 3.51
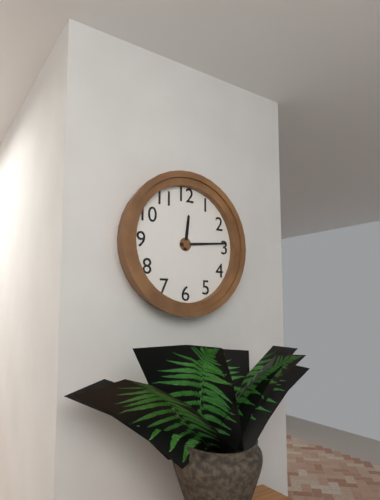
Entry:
12.14
